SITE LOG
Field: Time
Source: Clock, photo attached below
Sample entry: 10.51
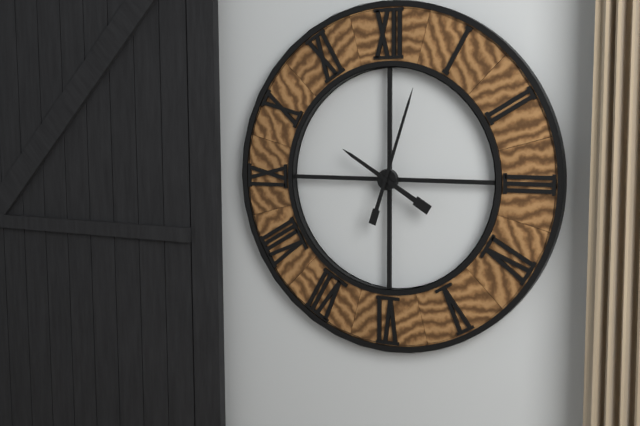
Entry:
10.03
